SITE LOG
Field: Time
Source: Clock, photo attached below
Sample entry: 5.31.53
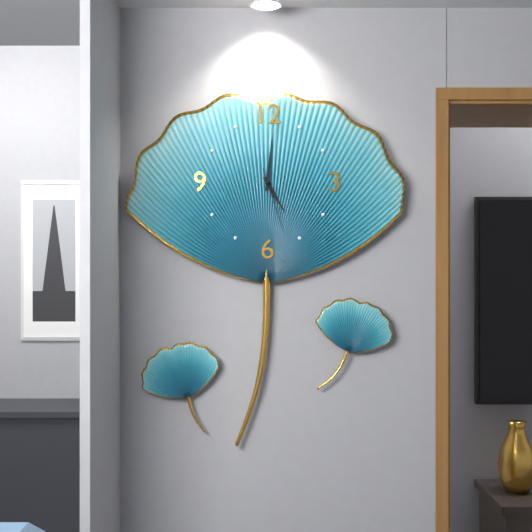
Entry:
5.01.27
